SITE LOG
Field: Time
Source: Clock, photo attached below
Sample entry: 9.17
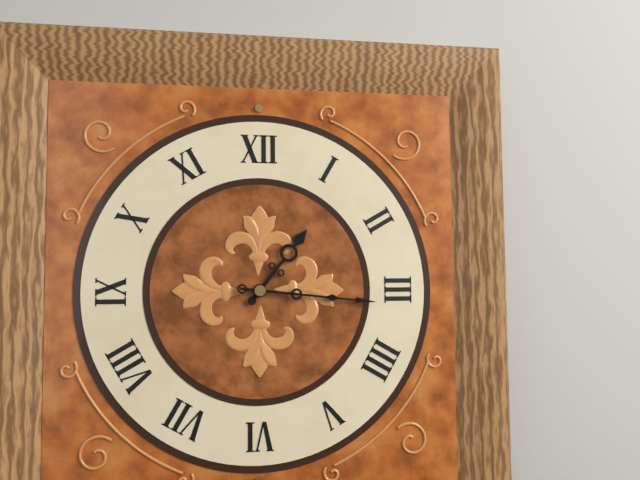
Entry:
1.16
